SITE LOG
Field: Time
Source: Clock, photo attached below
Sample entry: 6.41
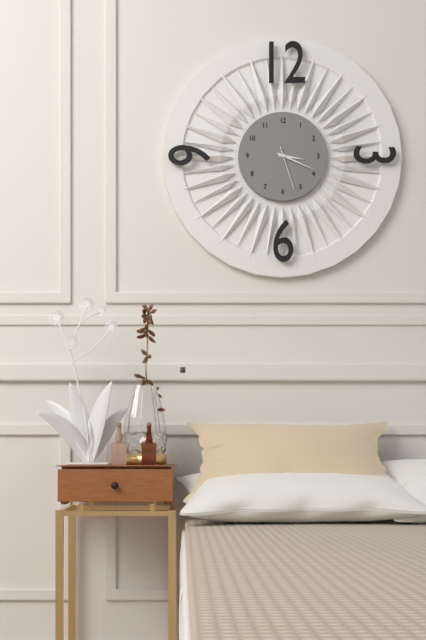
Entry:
3.19
